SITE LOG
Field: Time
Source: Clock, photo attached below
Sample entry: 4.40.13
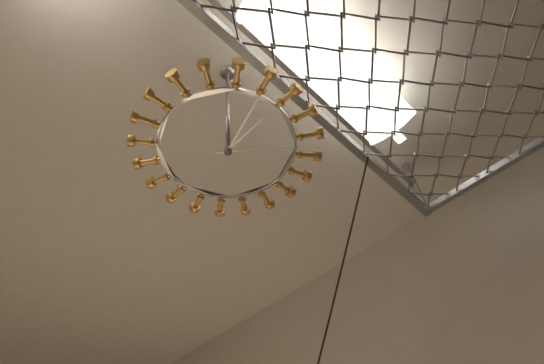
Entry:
11.57.07
